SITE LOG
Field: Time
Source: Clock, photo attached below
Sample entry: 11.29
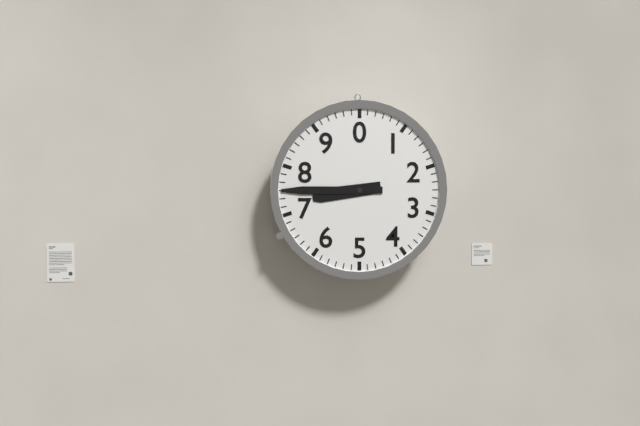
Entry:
8.45
